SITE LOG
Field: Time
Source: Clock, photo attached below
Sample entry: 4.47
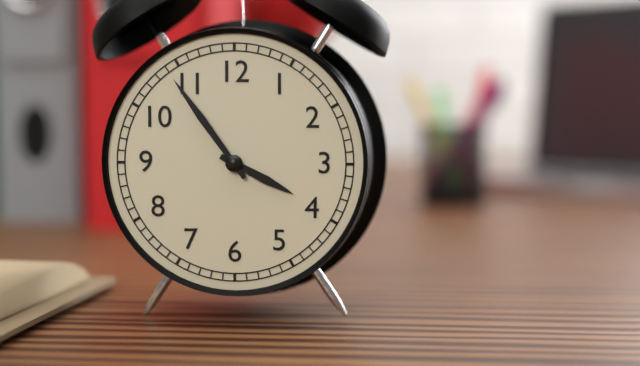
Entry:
3.54
